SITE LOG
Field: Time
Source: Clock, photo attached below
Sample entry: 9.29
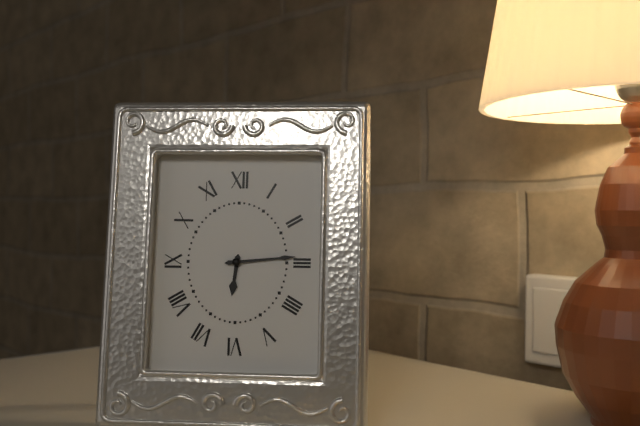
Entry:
6.14
